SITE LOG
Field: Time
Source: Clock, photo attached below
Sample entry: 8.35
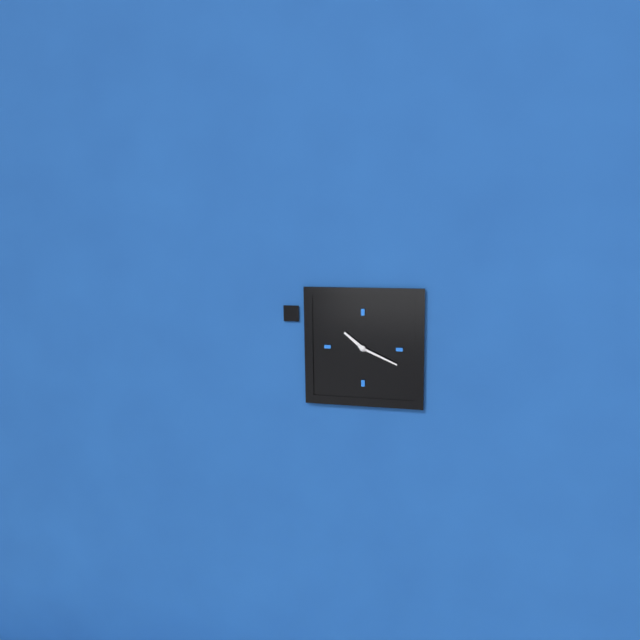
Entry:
10.19
